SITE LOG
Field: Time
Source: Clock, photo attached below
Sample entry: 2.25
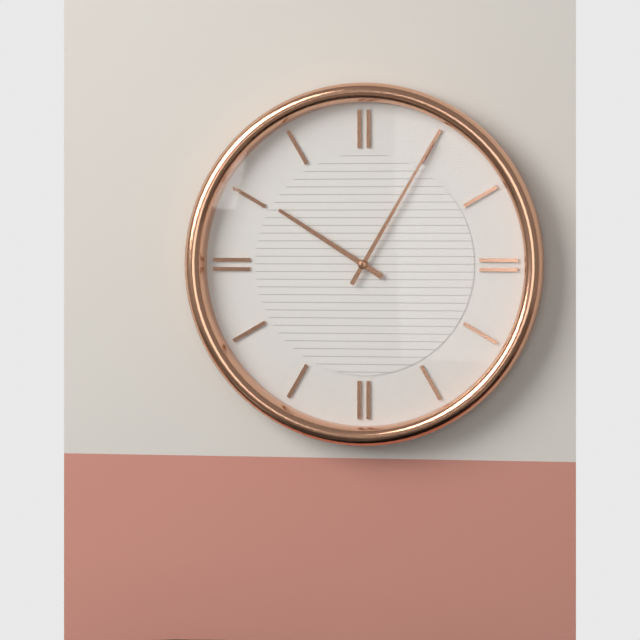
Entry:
10.05
